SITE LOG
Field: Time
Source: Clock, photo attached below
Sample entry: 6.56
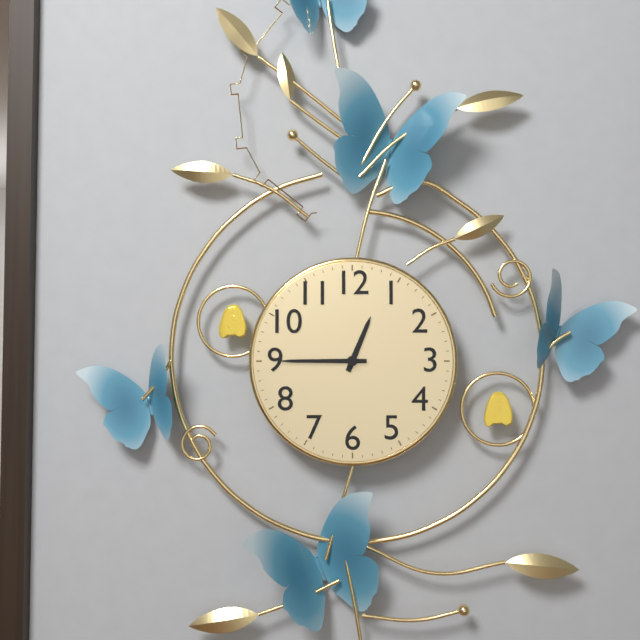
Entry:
12.45
